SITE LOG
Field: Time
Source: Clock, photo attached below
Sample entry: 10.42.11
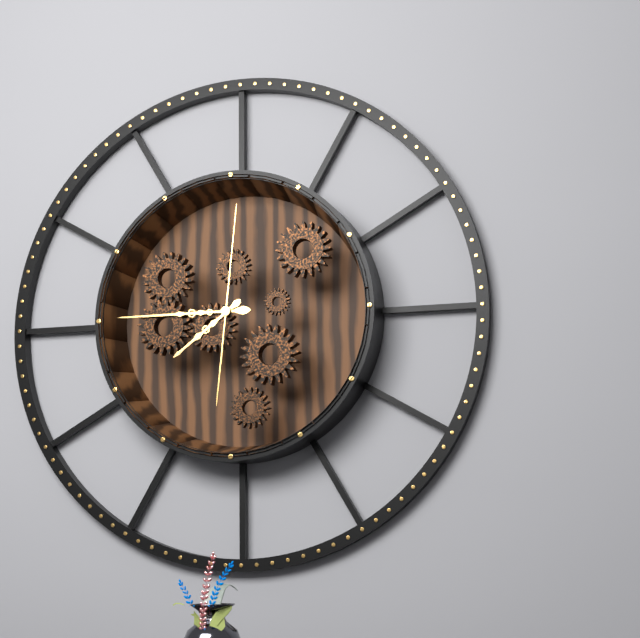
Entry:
7.45.01
